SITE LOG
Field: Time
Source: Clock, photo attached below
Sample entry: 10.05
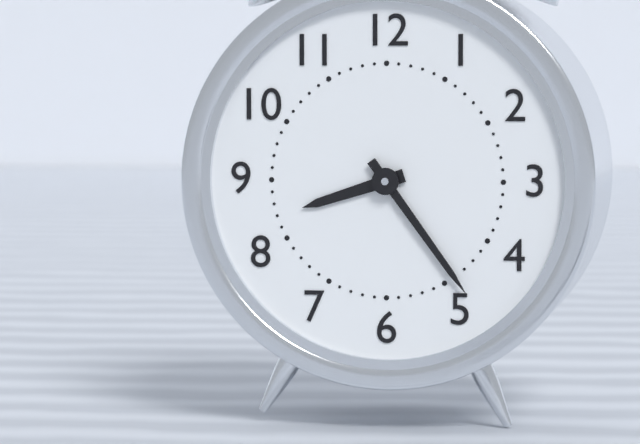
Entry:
8.24
